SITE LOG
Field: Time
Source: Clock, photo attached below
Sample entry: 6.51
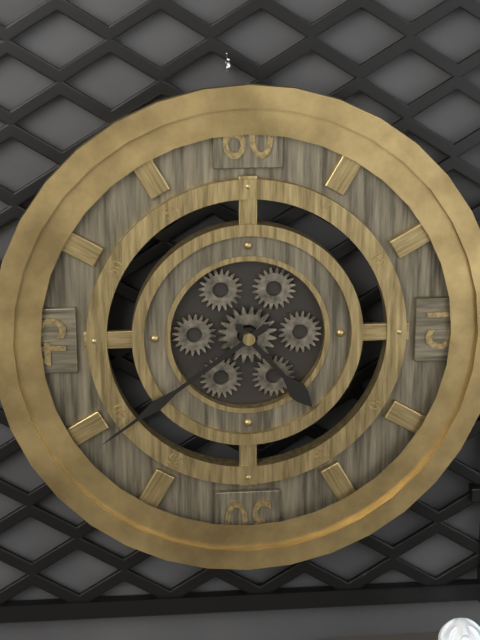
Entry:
4.39
